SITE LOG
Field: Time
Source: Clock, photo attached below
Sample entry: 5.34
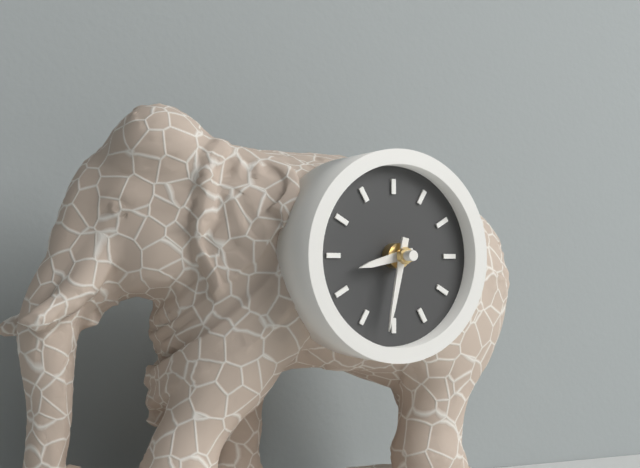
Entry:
8.32
